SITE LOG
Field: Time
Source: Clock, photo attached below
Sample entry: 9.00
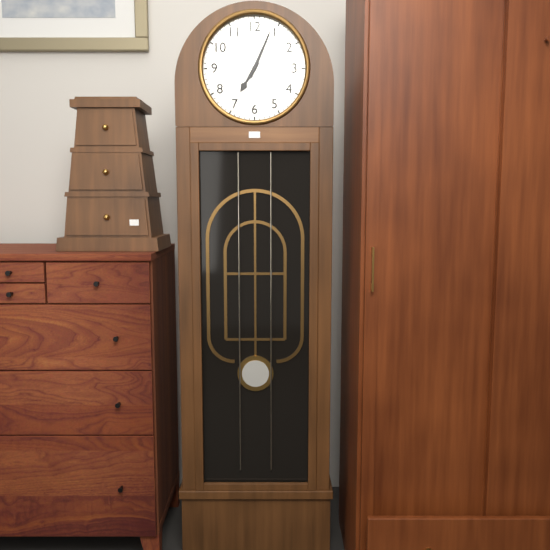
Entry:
7.04
